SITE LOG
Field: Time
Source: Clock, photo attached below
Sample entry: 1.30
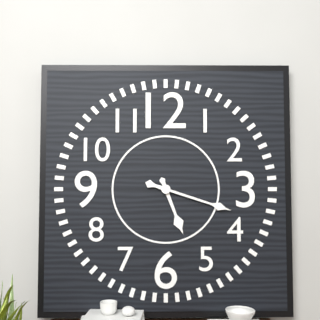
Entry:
5.18
